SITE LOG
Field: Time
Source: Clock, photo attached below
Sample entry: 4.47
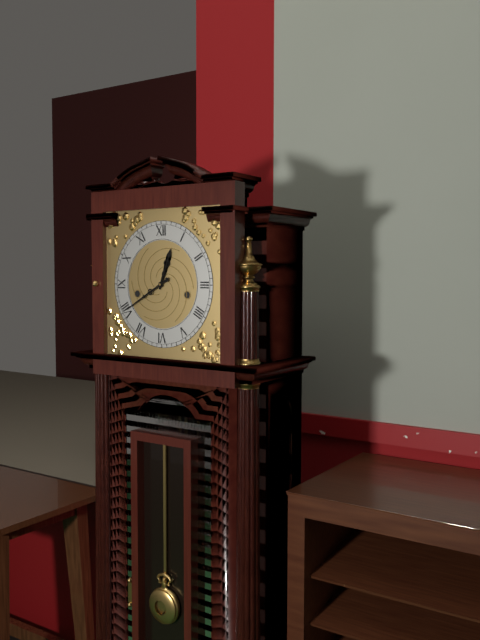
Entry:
12.40
